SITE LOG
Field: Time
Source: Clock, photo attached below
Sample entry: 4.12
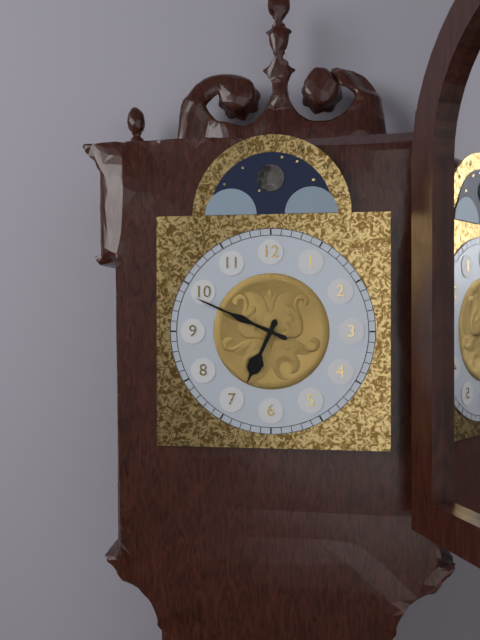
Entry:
6.49
